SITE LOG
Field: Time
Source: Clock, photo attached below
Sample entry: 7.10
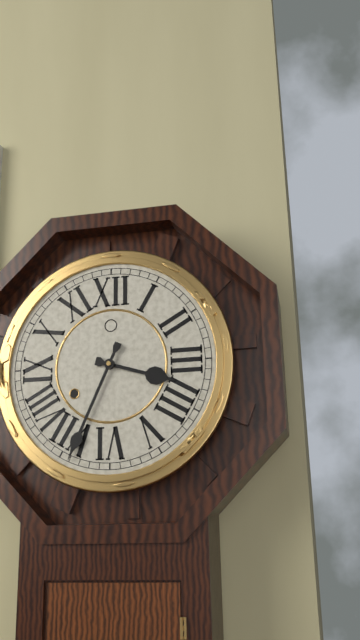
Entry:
3.34
